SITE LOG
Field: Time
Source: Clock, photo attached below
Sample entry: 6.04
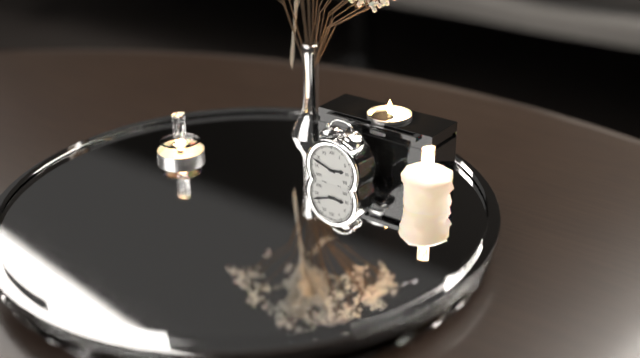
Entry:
2.48
